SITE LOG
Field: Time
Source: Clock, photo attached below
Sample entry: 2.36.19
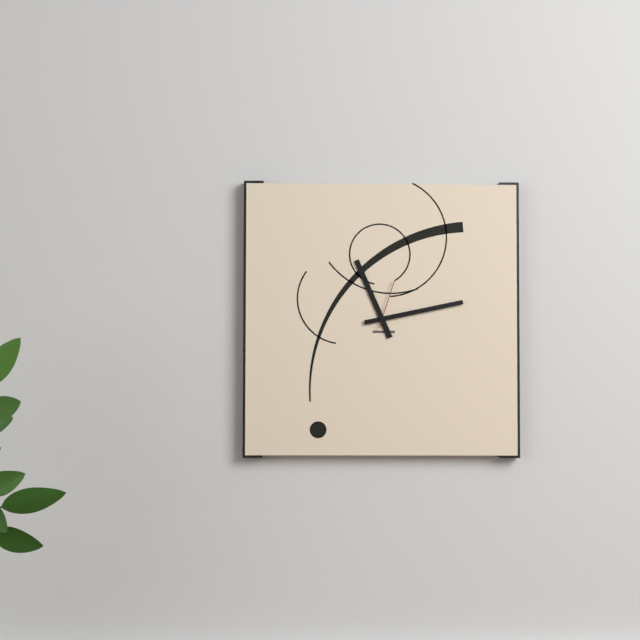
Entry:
11.13.03
